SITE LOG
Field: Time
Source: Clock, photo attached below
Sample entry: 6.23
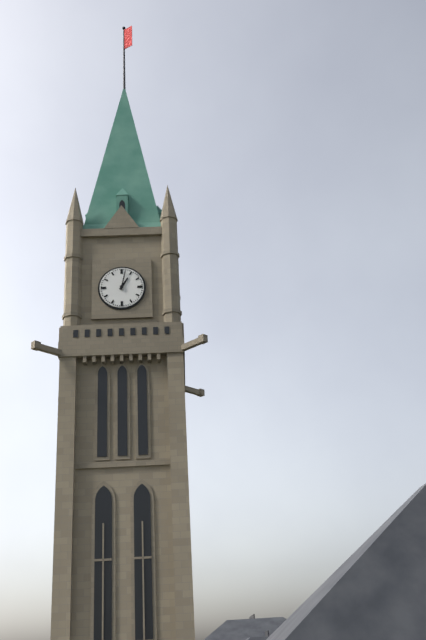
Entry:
1.02
